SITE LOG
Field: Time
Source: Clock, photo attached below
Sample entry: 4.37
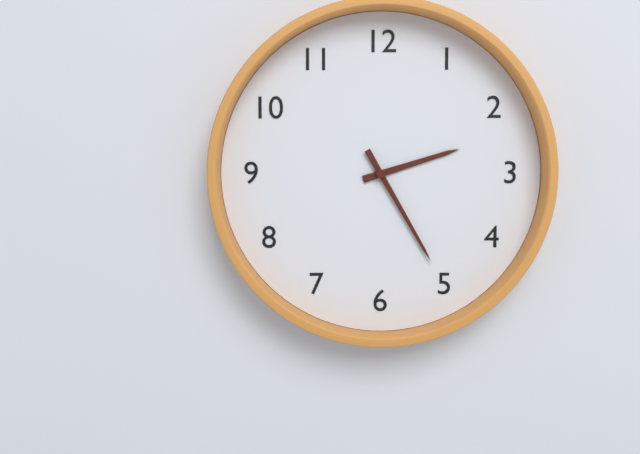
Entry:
2.25
